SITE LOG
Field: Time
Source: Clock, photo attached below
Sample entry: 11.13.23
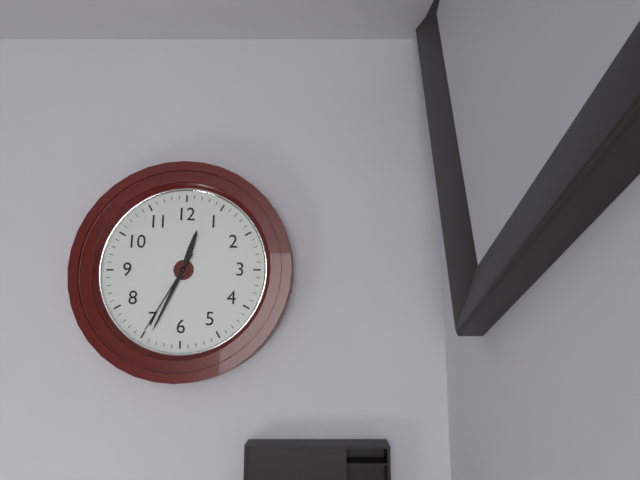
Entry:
12.34.35
